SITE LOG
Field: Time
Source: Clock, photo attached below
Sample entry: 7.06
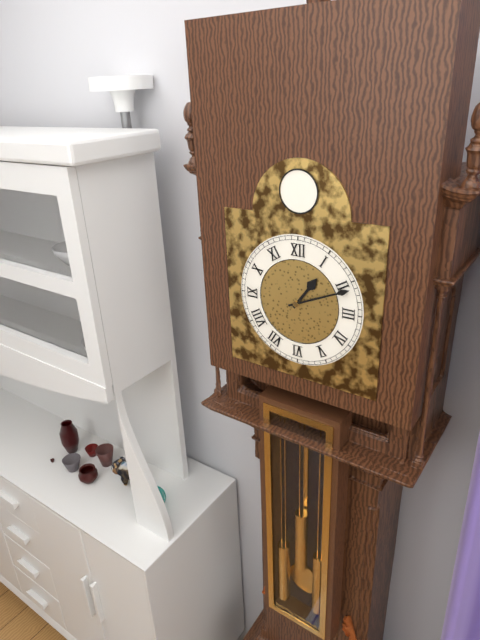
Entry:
1.11
